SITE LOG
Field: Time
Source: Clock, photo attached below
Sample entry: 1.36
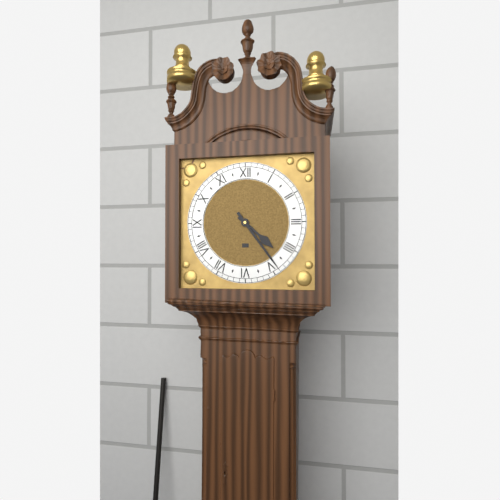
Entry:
4.24
